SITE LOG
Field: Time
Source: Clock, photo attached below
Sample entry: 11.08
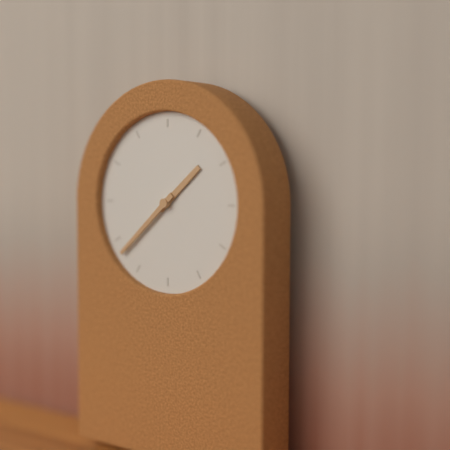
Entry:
1.38
